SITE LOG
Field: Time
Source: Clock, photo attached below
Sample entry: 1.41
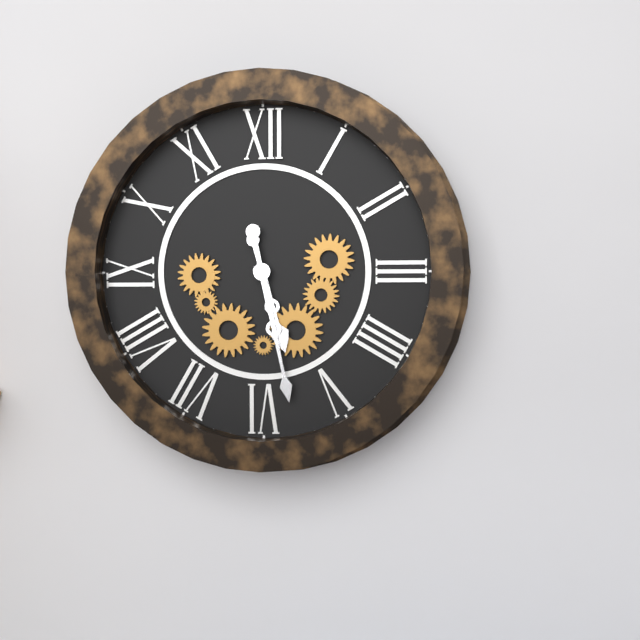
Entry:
5.28
